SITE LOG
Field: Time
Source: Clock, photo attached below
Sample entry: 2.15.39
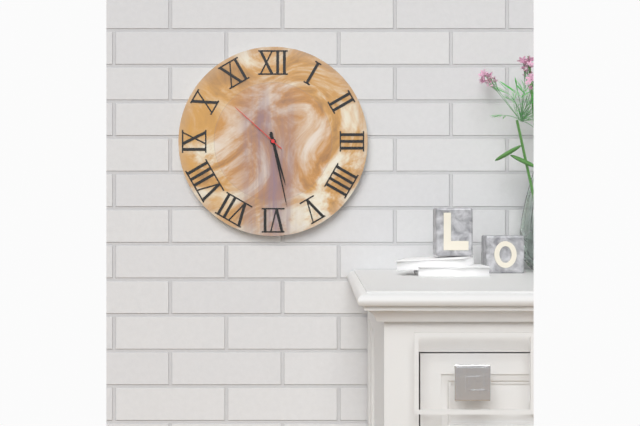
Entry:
5.28.52
